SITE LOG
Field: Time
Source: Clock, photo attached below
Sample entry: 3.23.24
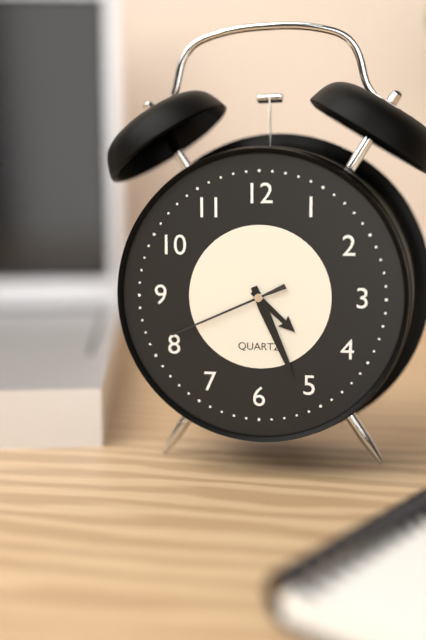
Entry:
4.26.41
